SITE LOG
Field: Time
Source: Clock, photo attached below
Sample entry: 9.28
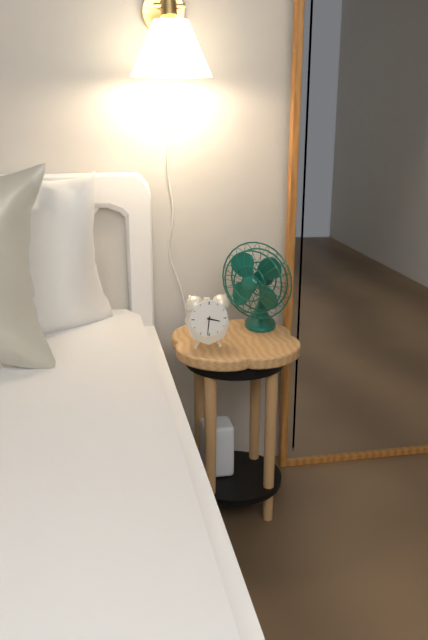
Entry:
3.31
